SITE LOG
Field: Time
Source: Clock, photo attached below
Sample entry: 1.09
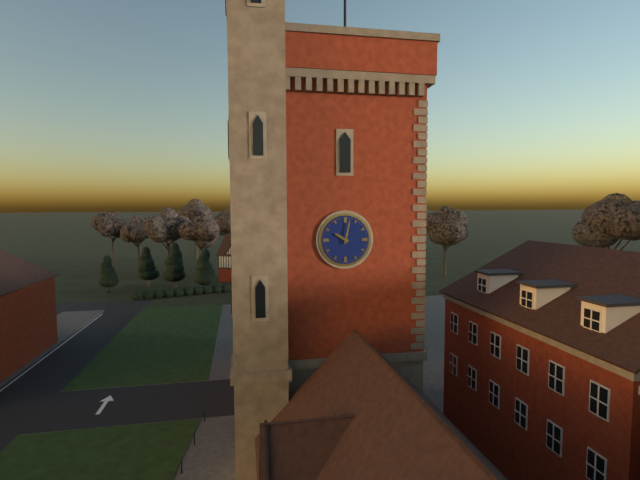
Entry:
10.02
